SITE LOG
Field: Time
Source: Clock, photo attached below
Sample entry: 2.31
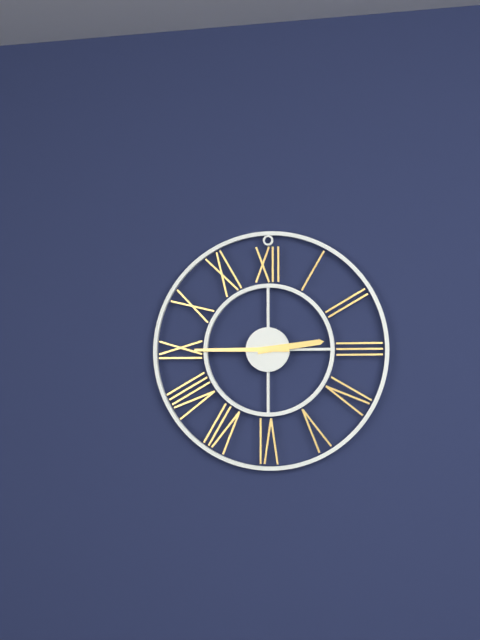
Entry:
2.45
